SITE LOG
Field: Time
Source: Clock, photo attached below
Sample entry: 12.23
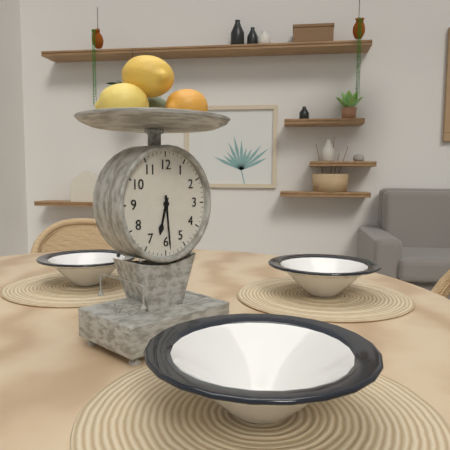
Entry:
6.29
